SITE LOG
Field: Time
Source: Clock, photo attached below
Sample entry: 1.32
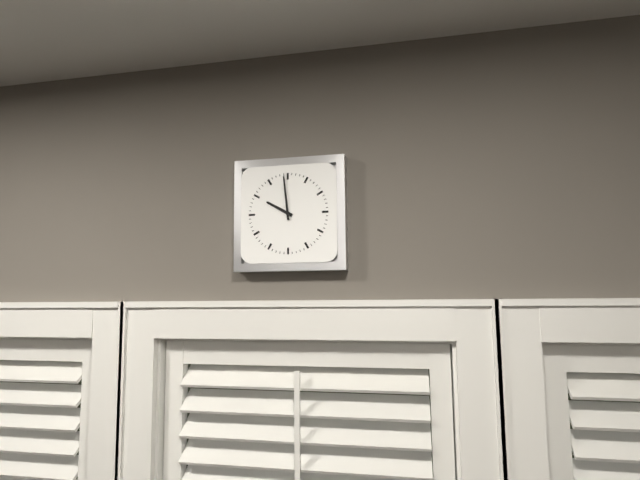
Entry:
9.59
